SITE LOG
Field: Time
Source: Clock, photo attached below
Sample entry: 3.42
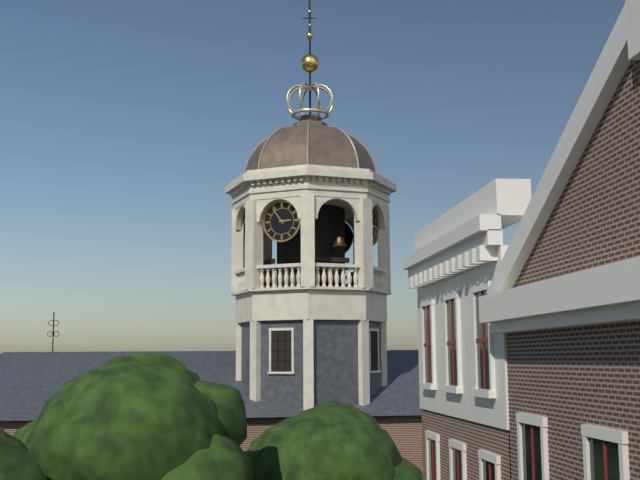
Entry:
2.54
